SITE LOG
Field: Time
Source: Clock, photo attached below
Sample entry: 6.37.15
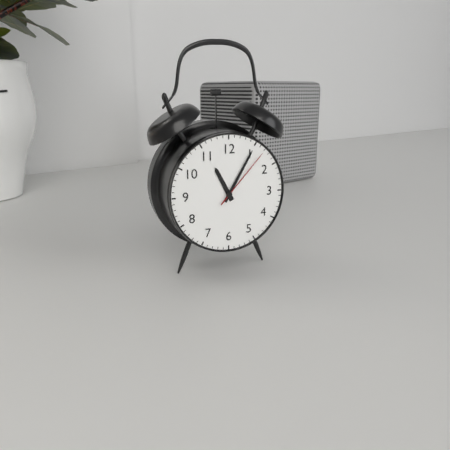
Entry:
11.05.07
